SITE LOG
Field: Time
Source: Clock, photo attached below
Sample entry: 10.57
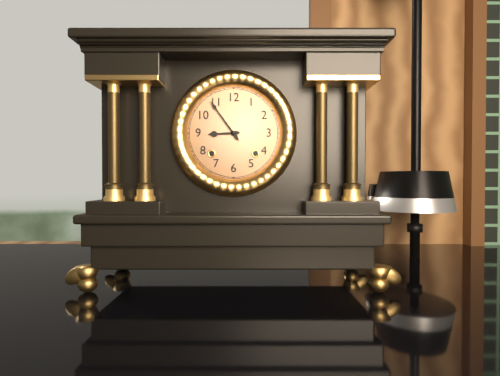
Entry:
8.54
